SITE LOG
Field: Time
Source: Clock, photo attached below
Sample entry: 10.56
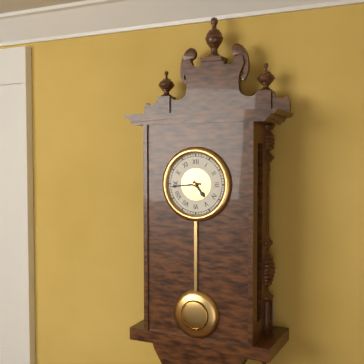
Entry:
4.44
